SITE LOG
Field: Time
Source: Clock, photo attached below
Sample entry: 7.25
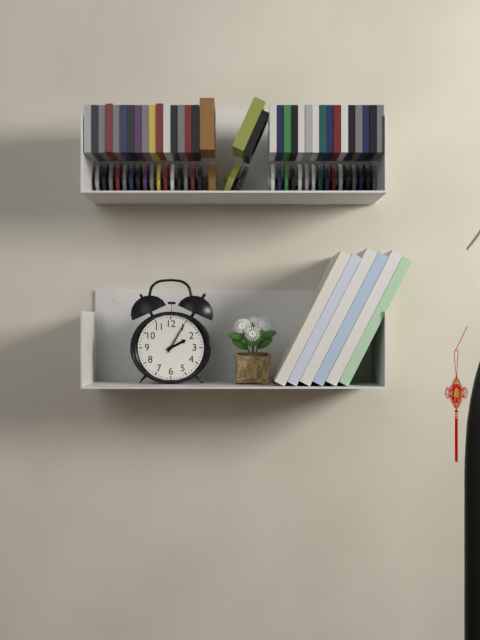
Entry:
2.05
